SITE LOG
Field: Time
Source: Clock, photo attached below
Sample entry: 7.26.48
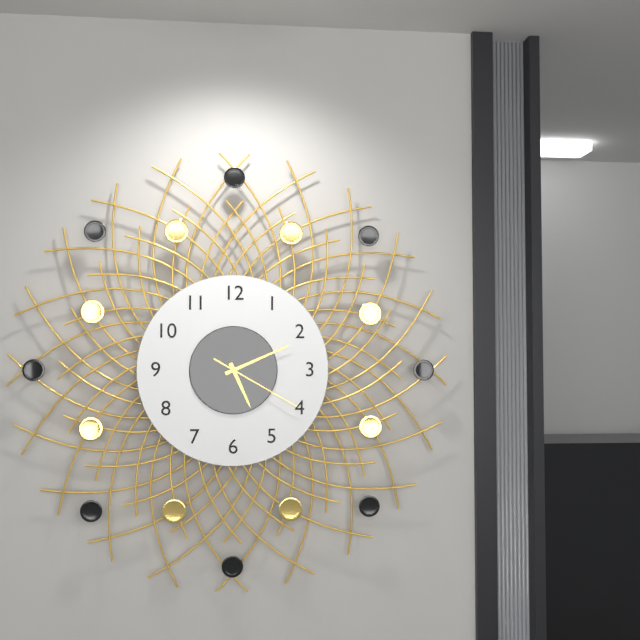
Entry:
5.11.20
